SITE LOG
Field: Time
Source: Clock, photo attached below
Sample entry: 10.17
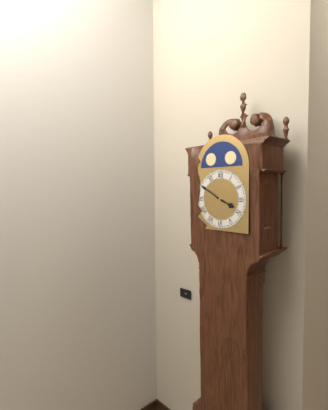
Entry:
3.50
